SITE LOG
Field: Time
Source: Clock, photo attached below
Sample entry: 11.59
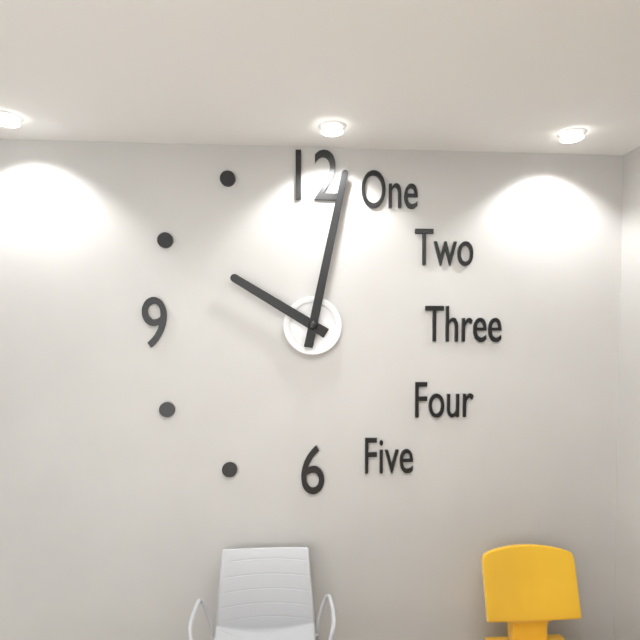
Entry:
10.02
